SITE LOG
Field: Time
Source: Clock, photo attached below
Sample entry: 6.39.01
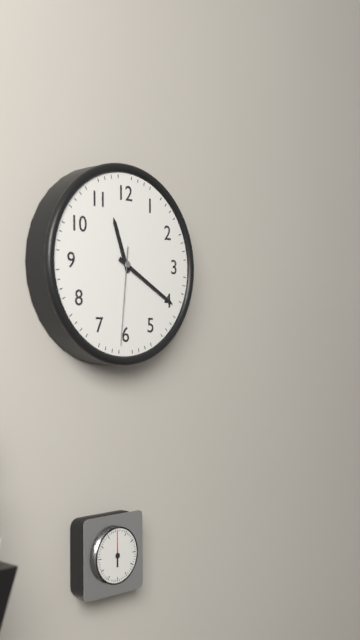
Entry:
11.20.31
